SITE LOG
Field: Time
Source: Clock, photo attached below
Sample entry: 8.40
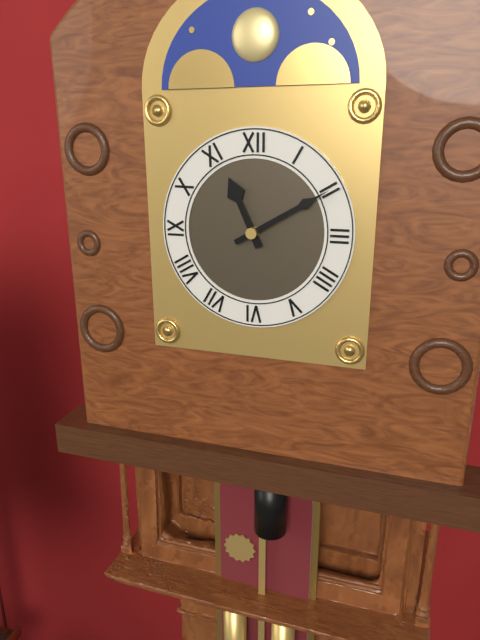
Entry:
11.10
